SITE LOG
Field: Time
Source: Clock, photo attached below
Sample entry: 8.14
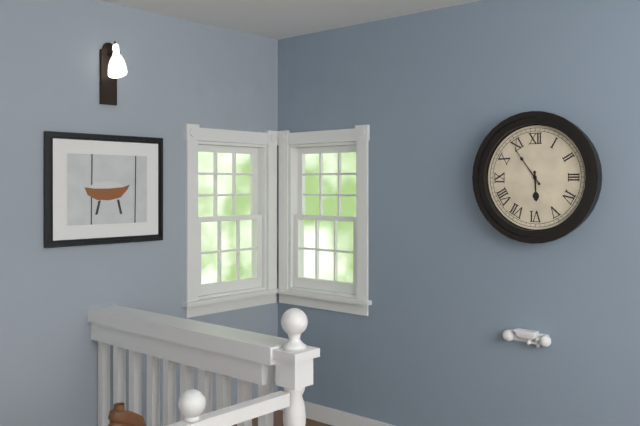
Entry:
5.54
